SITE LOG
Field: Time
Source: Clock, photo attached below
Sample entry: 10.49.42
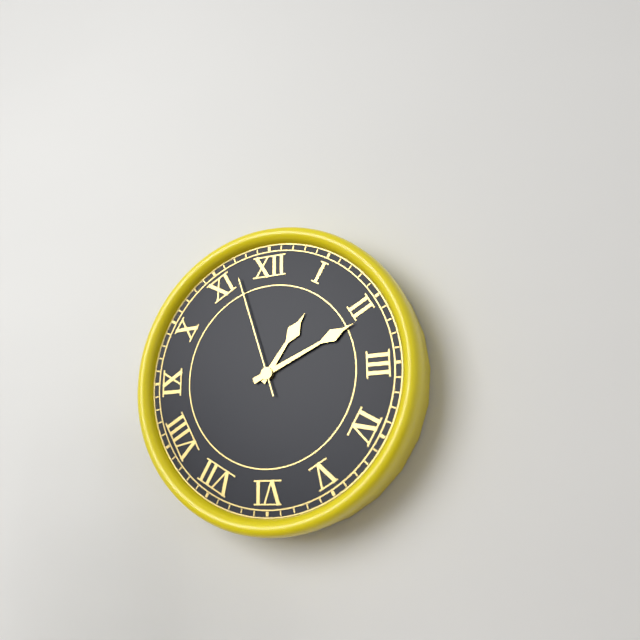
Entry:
1.11.57
